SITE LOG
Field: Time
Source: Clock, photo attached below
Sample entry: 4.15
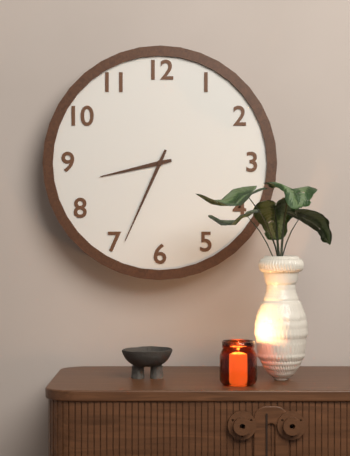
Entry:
8.34
